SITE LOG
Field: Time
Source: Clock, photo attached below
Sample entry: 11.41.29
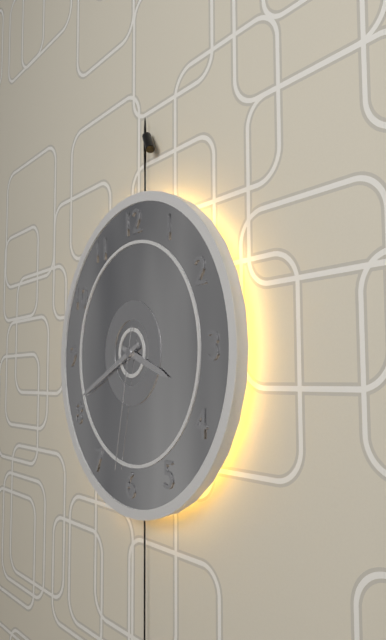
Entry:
3.41.32
